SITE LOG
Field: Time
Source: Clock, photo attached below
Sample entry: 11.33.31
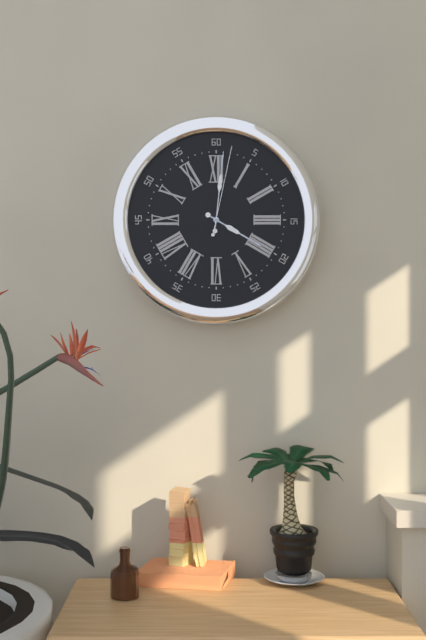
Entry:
4.01.02
